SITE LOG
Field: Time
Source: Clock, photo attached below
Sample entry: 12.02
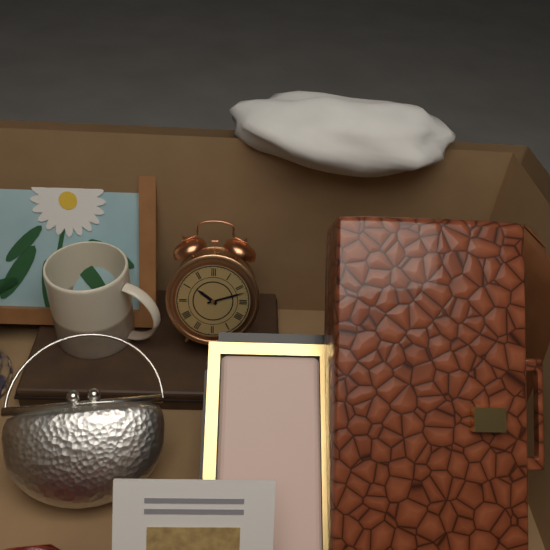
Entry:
10.12
